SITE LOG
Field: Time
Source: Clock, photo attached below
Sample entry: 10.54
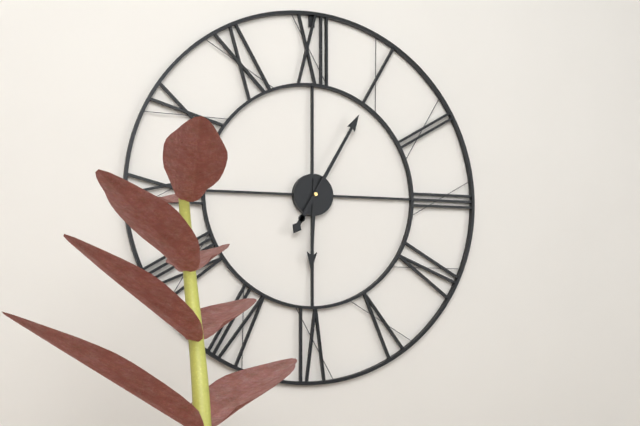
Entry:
6.05
